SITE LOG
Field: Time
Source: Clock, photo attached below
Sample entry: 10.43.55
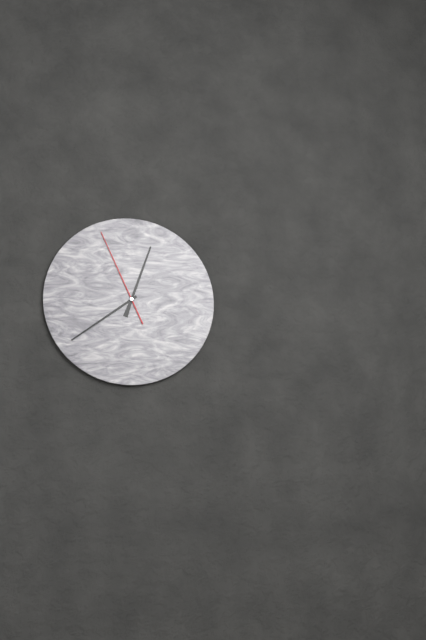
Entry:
12.39.56
